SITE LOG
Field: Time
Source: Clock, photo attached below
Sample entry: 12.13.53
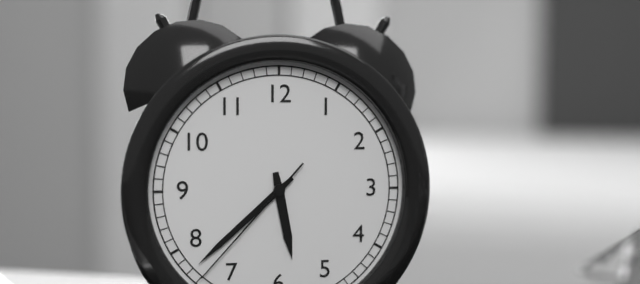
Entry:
5.38.37
